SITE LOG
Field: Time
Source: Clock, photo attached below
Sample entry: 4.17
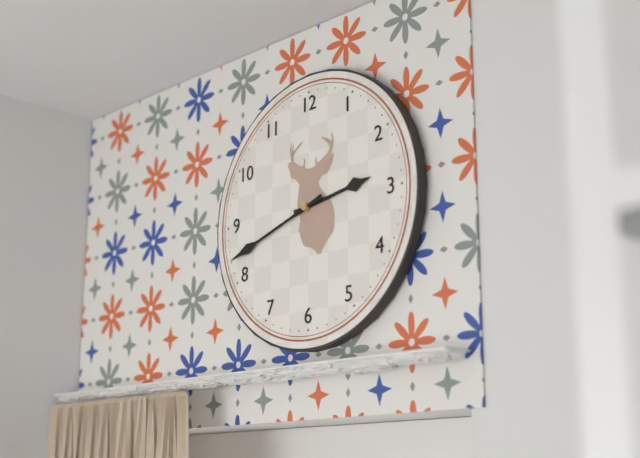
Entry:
2.42
